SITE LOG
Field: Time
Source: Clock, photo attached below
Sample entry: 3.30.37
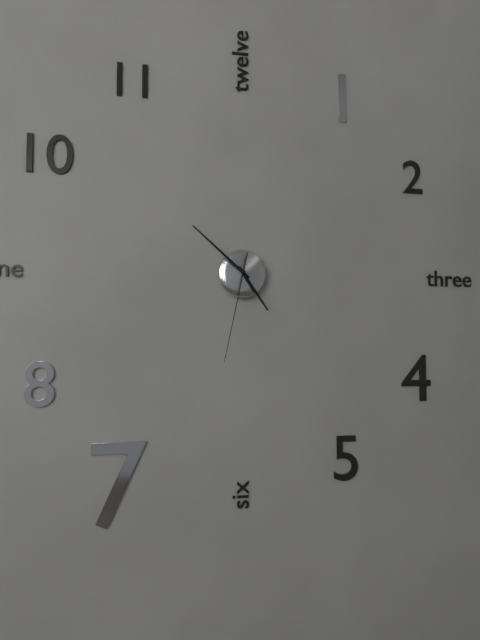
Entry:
4.52.32
